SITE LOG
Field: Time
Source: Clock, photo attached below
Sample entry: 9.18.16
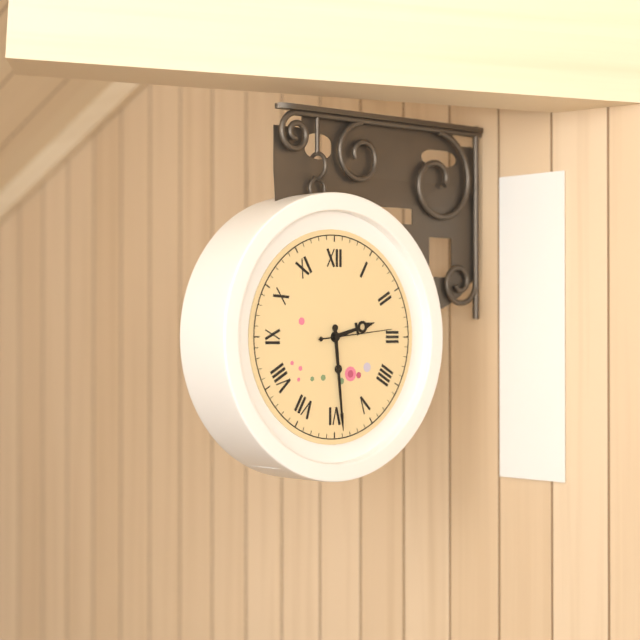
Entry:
2.29.14
